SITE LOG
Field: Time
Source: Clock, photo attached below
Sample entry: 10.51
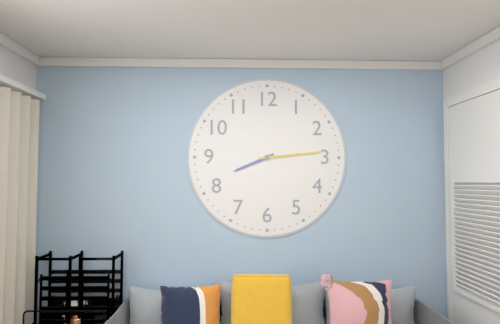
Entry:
8.14
